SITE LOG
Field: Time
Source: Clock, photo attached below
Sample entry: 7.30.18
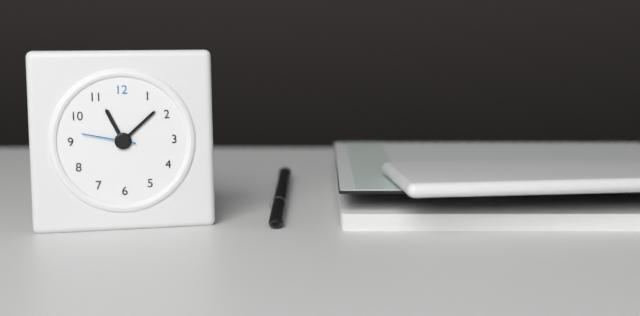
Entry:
11.08.47
